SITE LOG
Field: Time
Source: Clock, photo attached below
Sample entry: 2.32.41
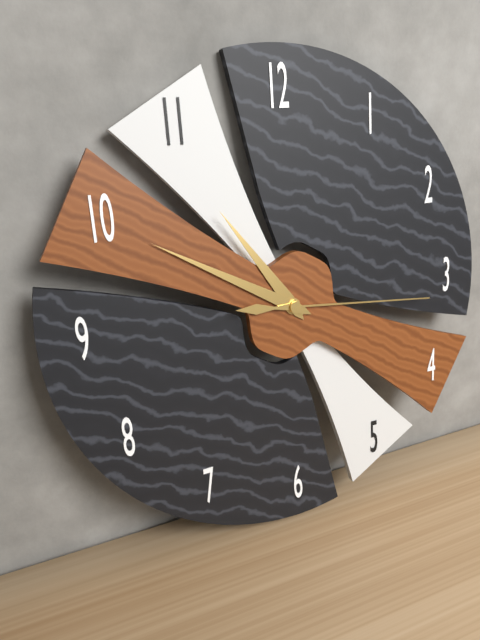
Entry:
10.50.16
